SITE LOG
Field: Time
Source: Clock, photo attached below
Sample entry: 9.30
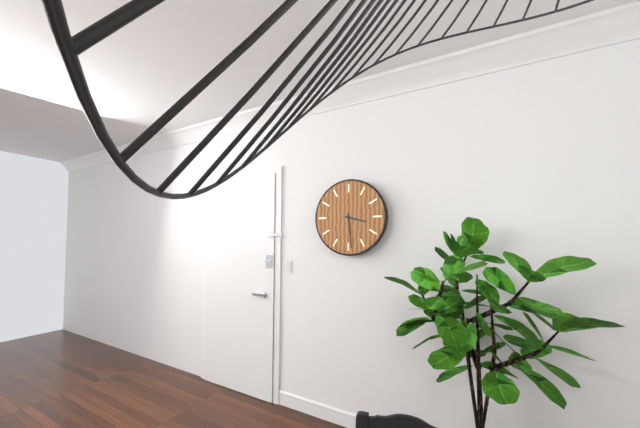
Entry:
3.29
